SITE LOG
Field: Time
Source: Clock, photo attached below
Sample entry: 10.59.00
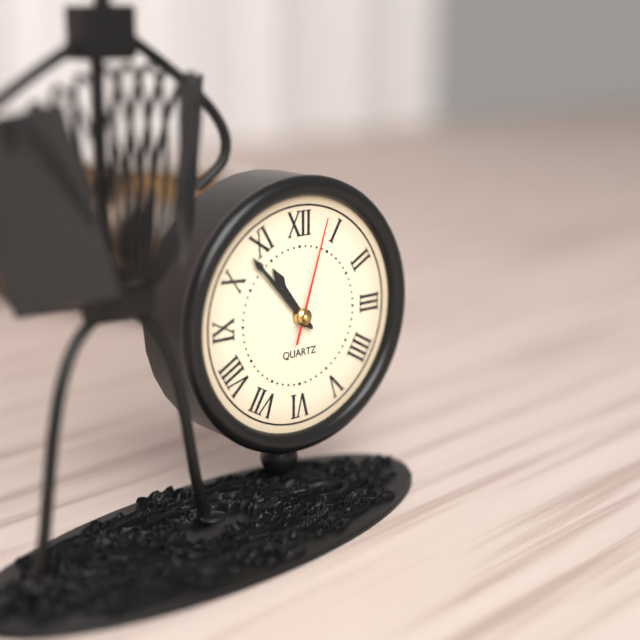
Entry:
10.53.03
